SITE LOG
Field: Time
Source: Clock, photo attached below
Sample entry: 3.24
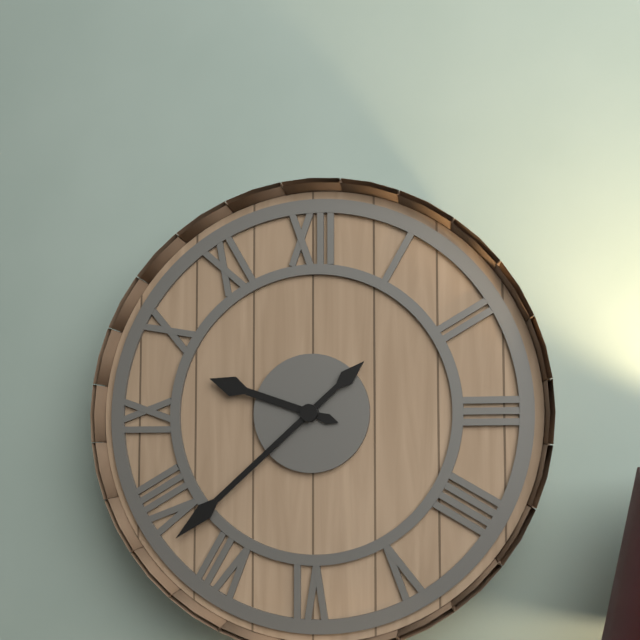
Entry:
9.38
